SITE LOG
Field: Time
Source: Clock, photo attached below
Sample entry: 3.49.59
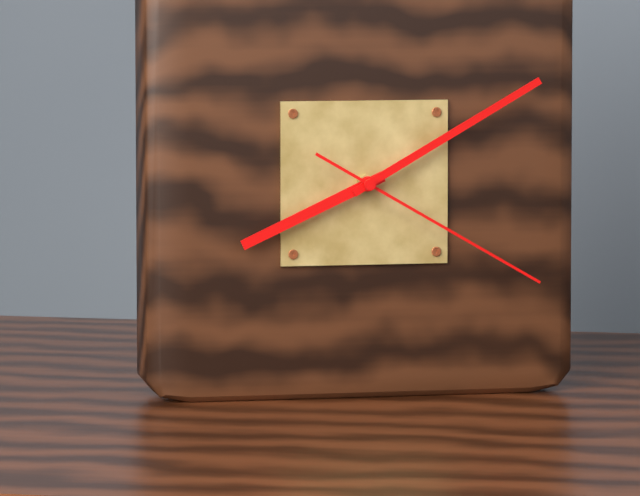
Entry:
8.10.20
